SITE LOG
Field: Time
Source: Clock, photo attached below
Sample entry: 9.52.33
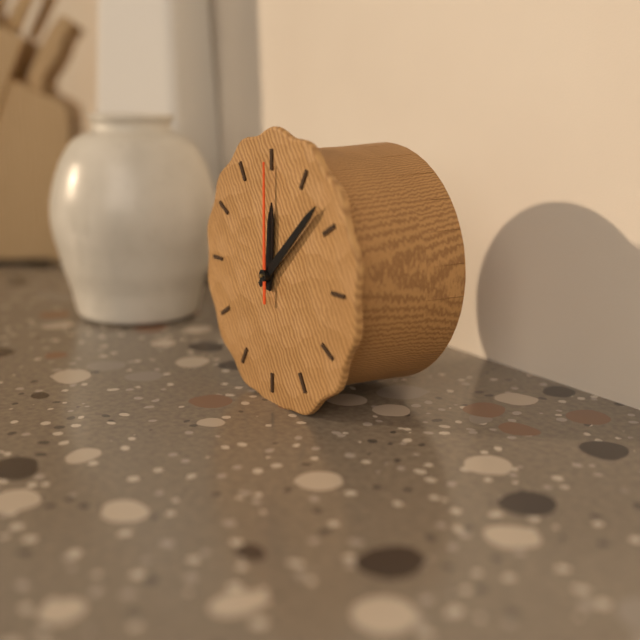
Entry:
12.08.00
